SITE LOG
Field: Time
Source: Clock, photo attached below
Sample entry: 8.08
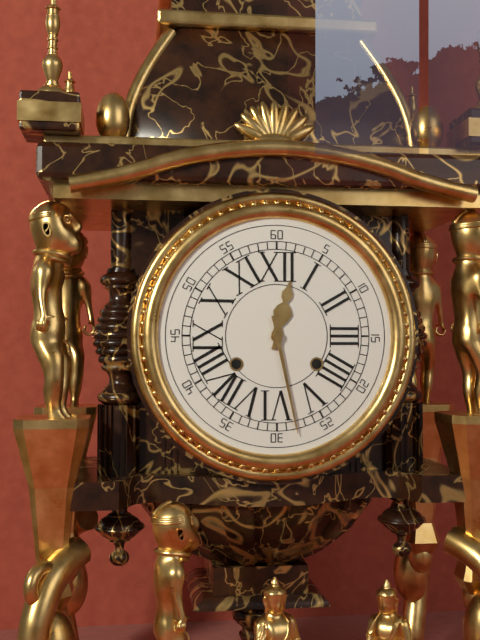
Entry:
12.28
